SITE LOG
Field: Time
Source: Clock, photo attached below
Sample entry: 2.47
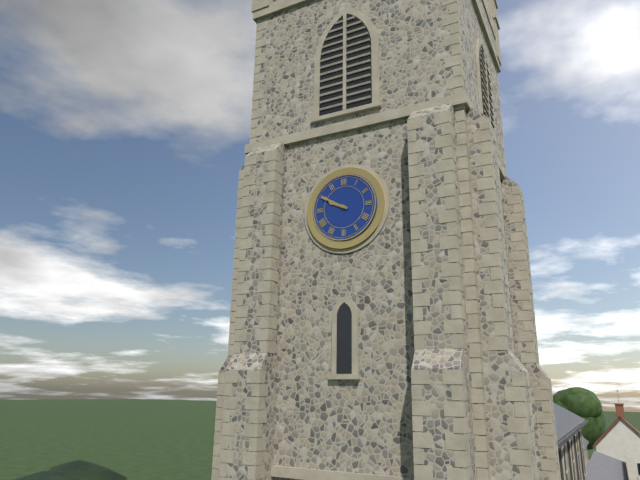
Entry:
9.50
